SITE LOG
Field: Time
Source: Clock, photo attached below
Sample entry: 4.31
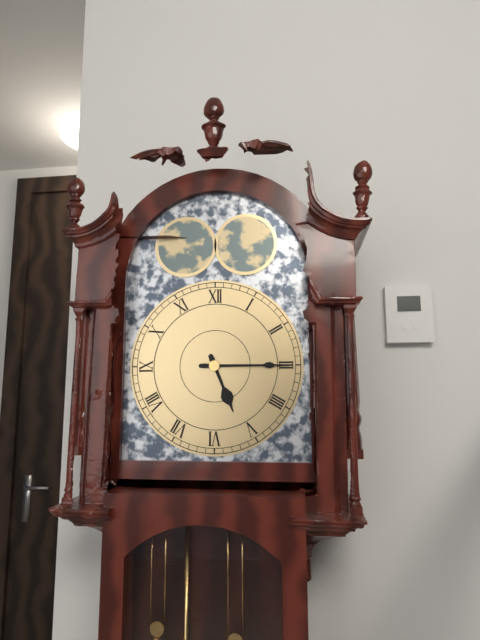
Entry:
5.15
